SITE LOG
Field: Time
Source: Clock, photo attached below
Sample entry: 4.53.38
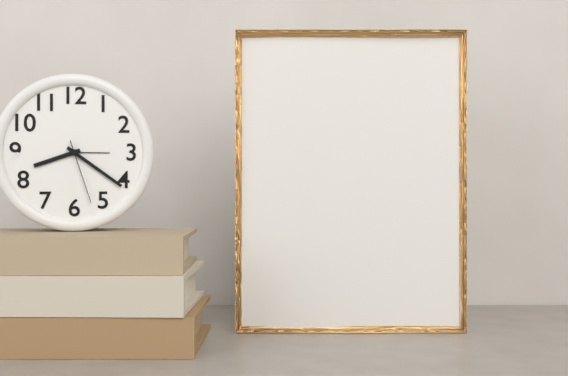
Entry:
8.21.27
